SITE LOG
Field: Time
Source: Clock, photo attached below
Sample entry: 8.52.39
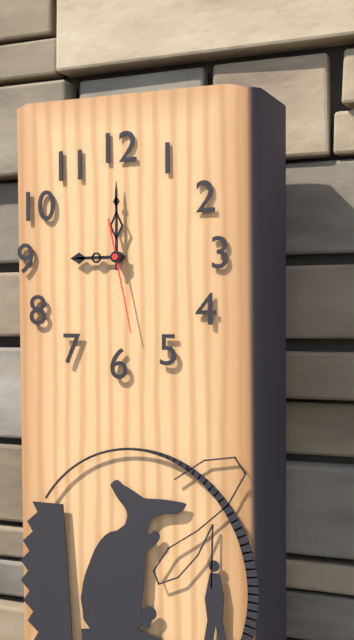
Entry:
9.00.28
